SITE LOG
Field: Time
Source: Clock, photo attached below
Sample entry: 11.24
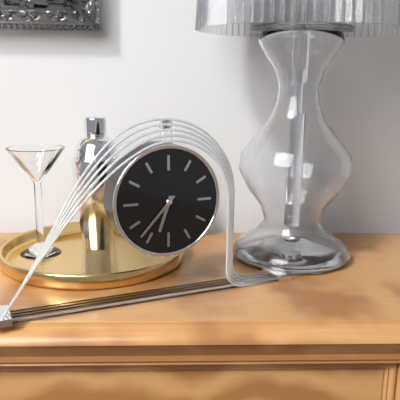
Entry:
6.37
